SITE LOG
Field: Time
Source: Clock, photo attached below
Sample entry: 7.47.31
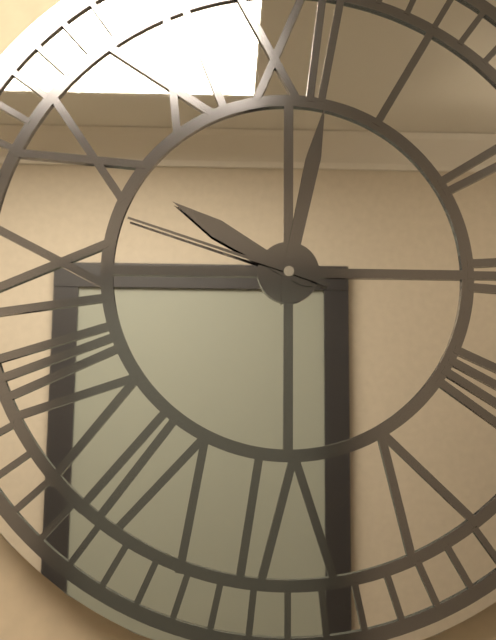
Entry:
10.02.48
